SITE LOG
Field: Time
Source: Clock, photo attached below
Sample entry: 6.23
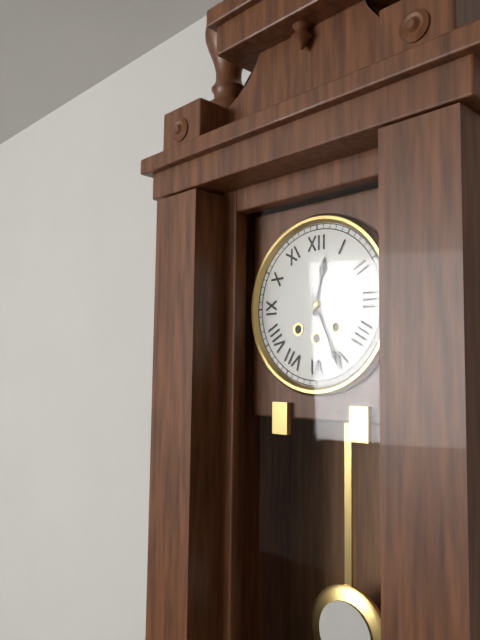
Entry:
12.26
